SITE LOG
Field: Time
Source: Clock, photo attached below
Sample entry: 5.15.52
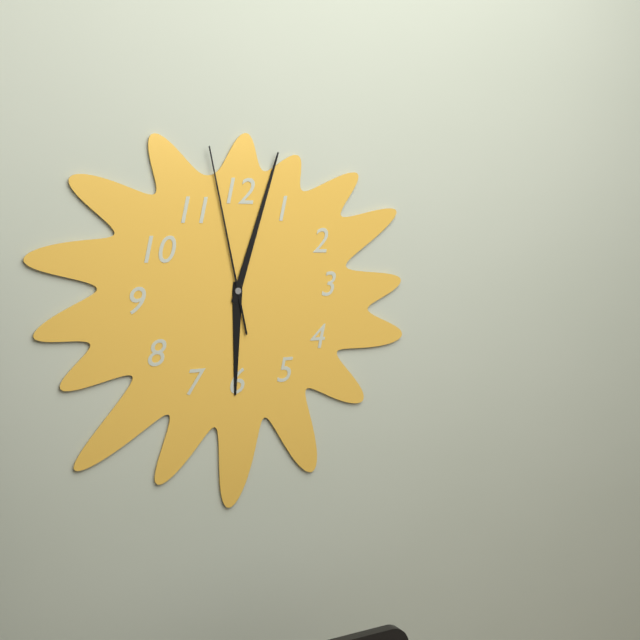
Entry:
6.03.58
